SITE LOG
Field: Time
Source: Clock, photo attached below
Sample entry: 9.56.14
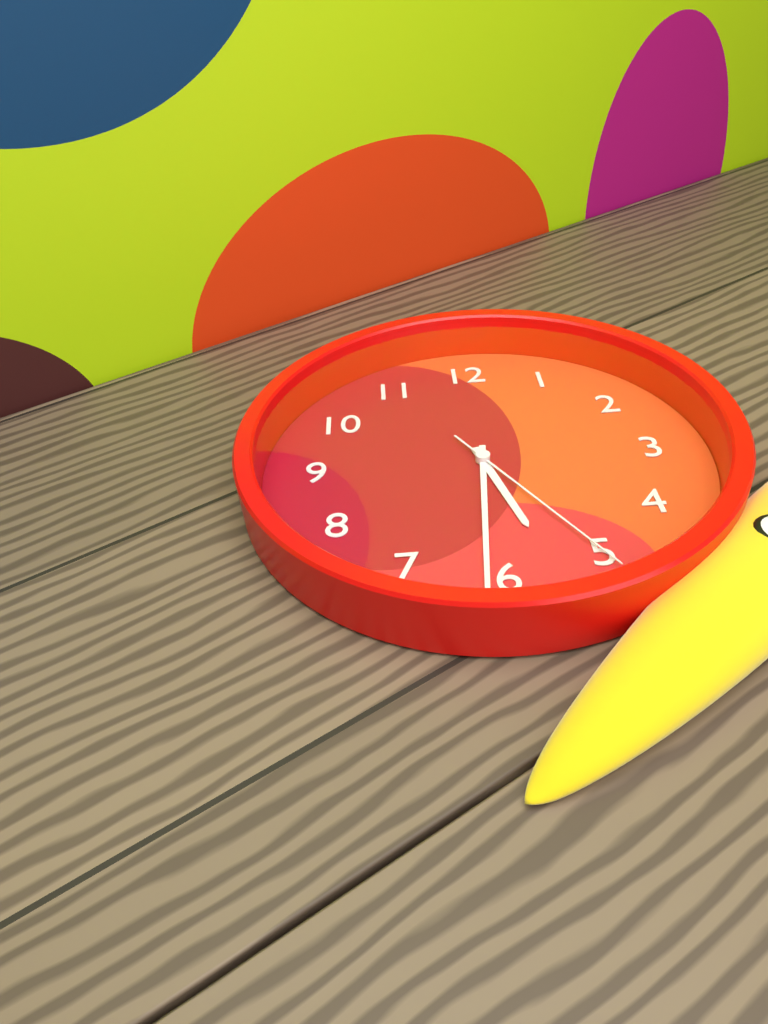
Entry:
5.31.25
